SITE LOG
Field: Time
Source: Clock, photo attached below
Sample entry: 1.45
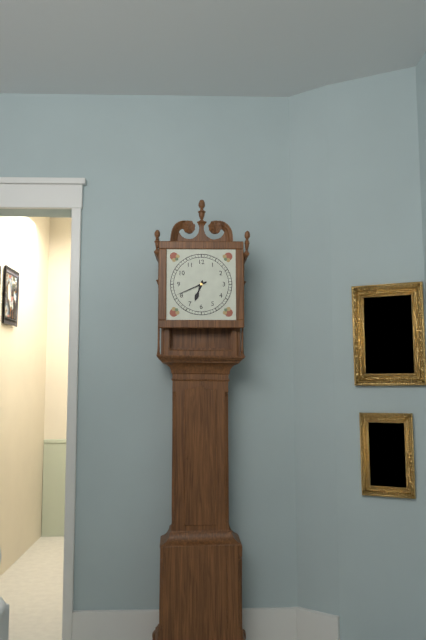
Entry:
6.41
